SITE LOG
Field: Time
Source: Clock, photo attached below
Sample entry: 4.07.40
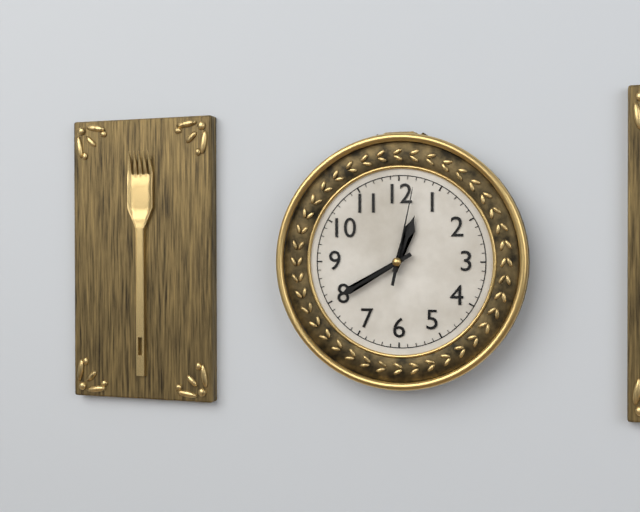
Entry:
12.40.02
